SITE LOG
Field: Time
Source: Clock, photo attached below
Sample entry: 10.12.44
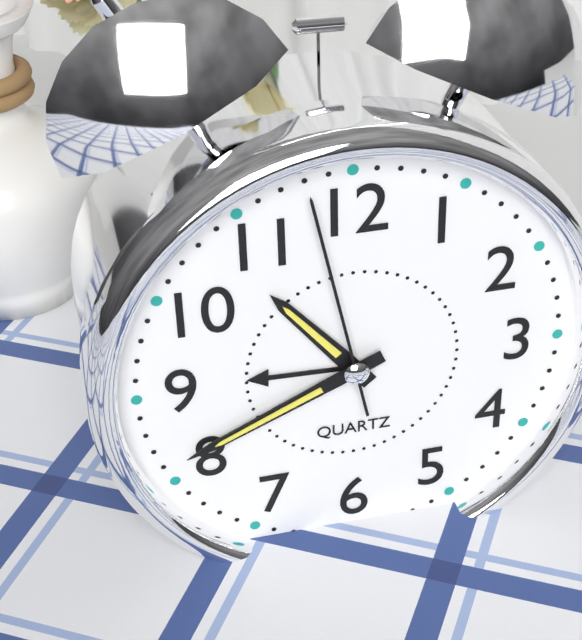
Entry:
10.41.58
